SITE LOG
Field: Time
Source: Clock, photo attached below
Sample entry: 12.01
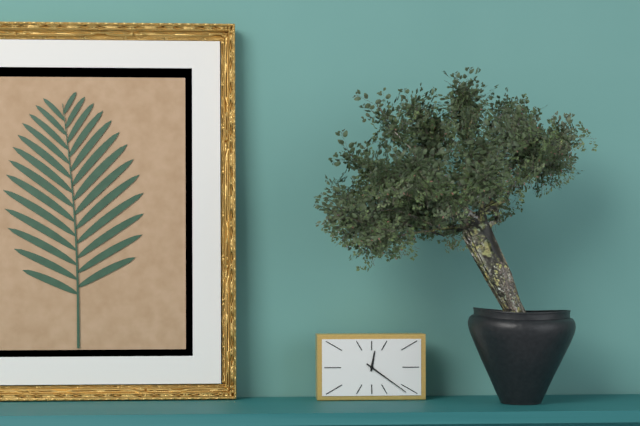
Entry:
12.21
